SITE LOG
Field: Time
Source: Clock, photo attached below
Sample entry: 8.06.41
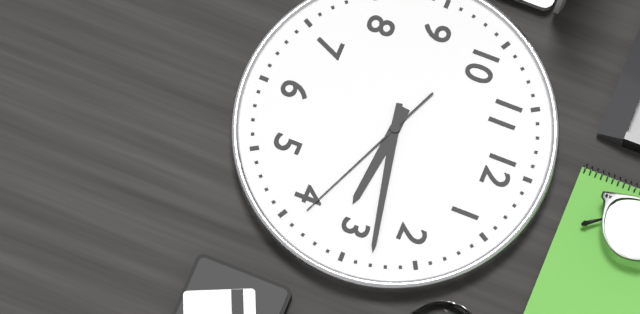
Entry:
3.13.19
